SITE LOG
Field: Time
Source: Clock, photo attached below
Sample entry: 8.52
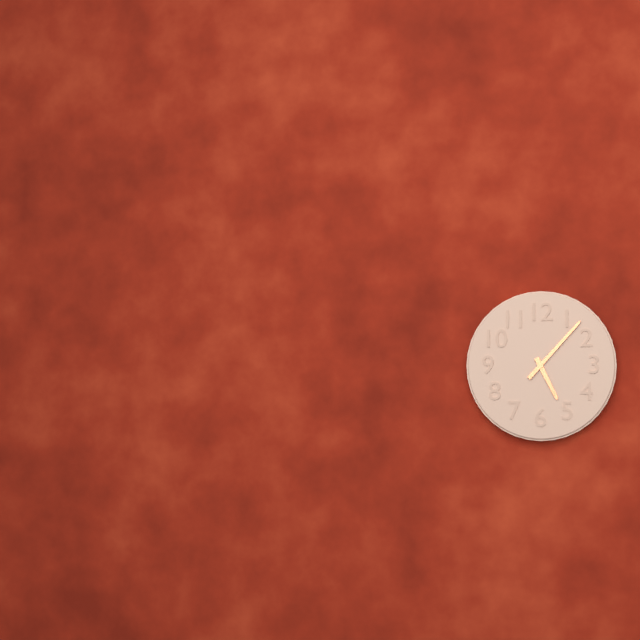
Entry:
5.07
